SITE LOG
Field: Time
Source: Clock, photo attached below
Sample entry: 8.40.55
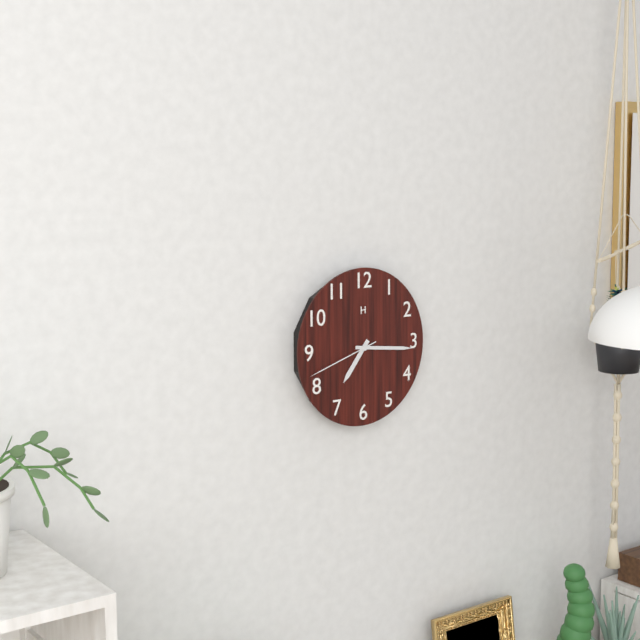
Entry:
7.16.42
